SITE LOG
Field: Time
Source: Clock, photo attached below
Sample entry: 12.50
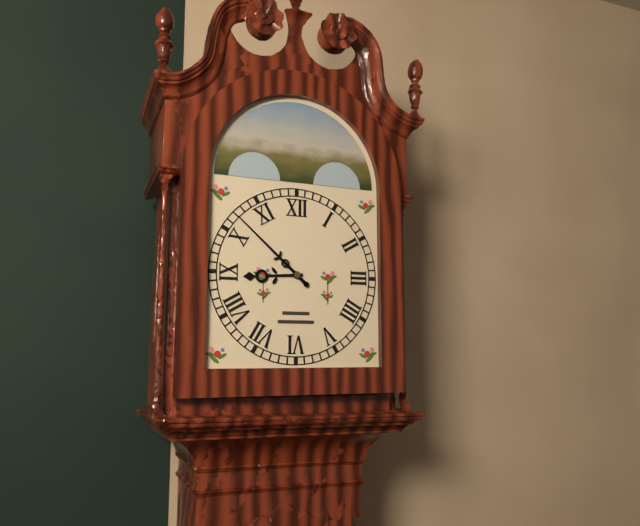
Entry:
8.52
